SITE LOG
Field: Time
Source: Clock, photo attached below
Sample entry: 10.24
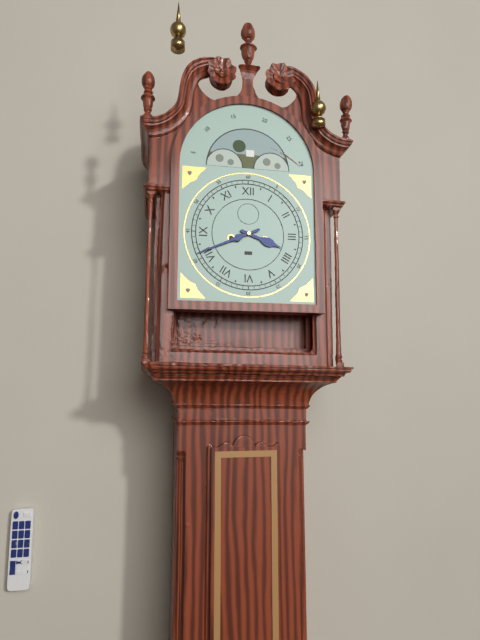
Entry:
3.41
